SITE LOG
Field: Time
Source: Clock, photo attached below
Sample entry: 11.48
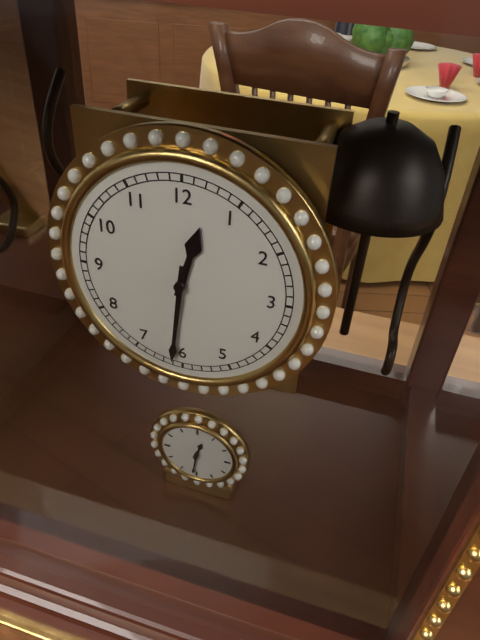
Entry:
12.31
